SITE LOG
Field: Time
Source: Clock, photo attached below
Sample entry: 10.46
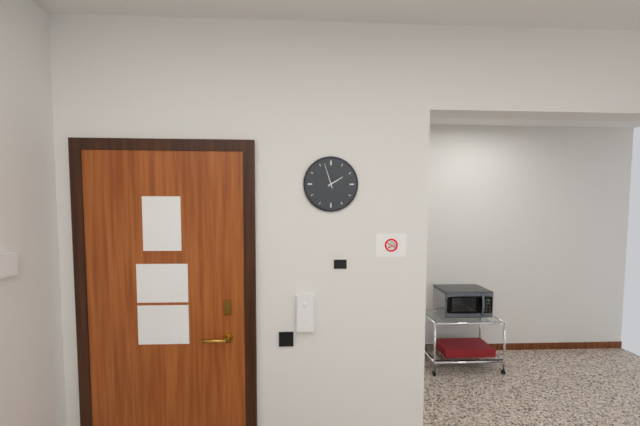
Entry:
1.57
